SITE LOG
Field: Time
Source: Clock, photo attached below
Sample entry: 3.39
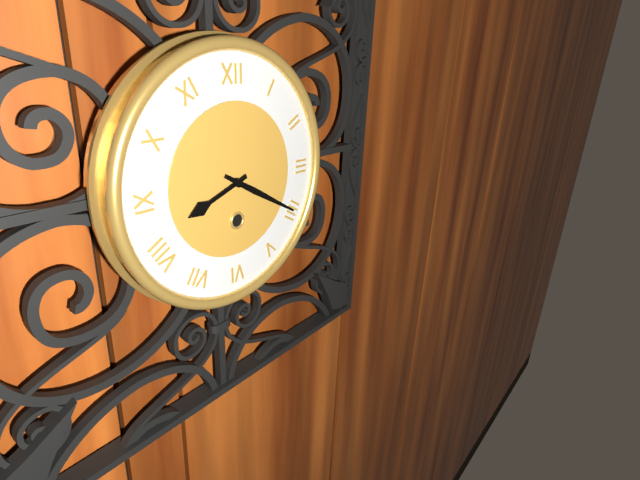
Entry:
8.20
